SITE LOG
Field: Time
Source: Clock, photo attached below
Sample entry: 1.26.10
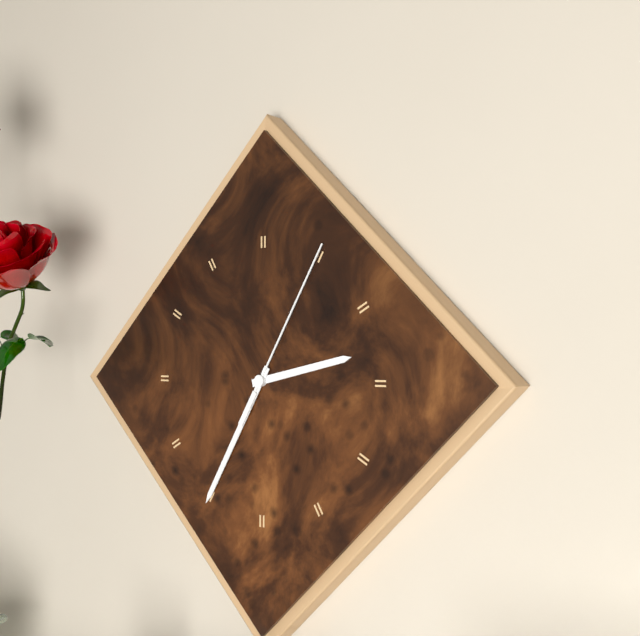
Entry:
2.35.05
